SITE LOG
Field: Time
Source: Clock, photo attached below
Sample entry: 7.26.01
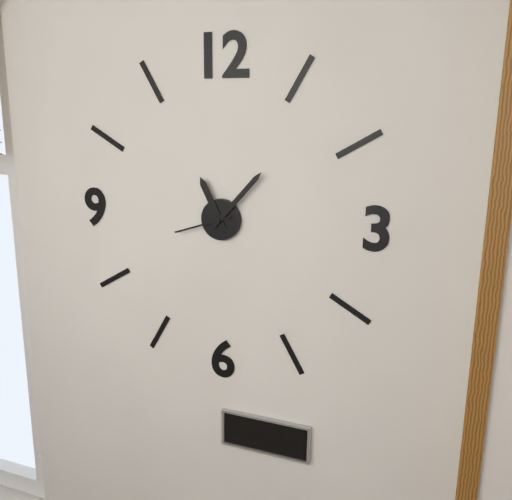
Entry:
11.07.42
